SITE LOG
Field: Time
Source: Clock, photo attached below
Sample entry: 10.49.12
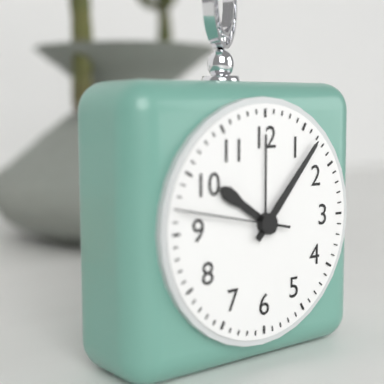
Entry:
10.07.47
